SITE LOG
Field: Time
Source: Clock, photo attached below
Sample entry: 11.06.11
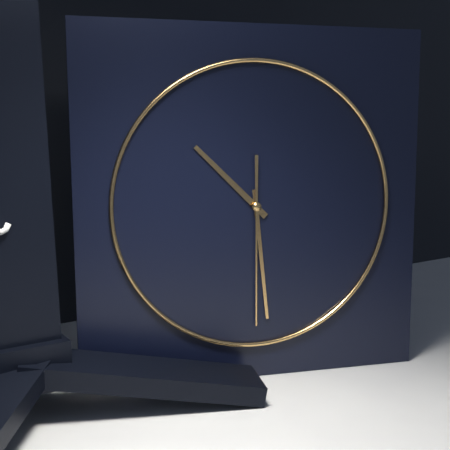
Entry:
10.29.30
